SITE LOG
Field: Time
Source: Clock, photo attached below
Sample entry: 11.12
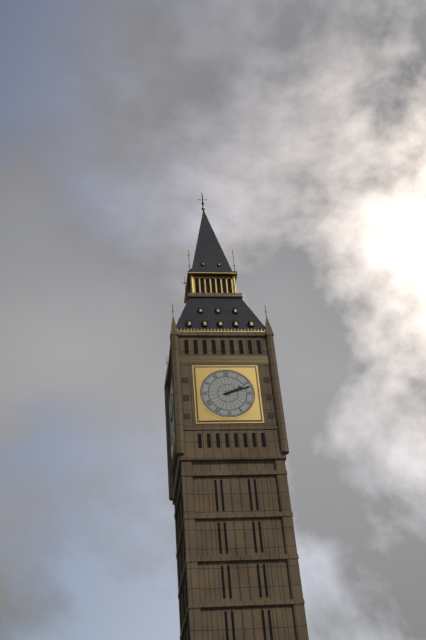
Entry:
2.12
